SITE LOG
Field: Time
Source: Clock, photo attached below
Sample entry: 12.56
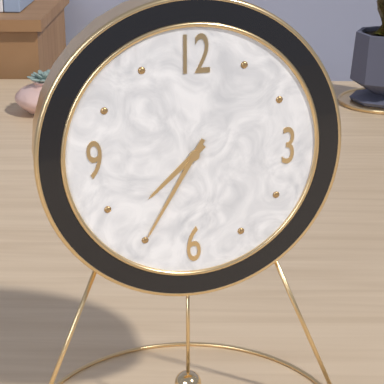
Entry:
7.35
